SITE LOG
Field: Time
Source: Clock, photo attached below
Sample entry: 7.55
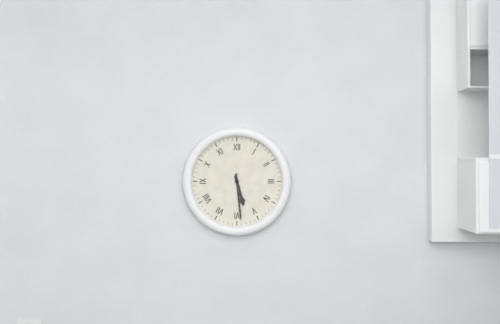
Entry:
5.29
